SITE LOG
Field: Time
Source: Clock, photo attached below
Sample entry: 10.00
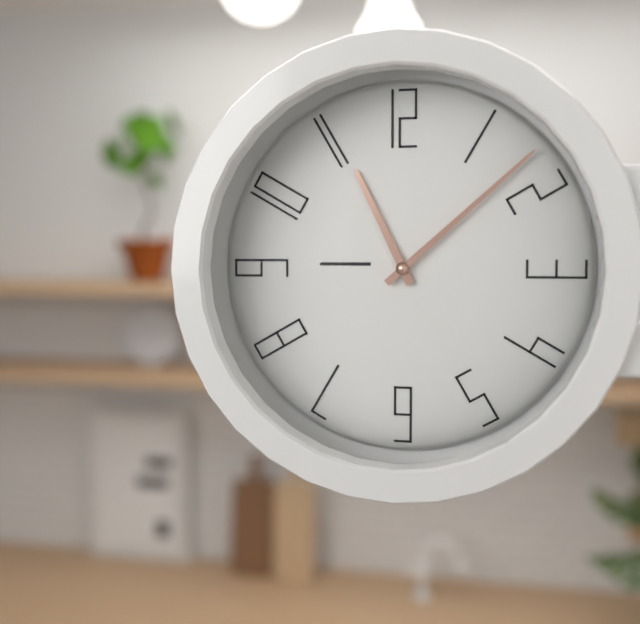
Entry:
11.08
